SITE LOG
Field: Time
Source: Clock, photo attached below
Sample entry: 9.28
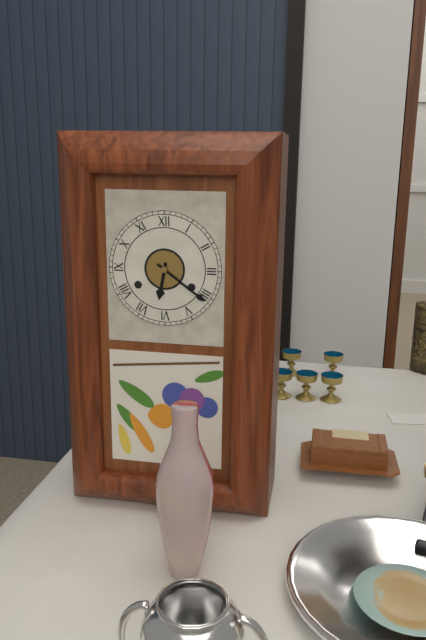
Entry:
6.21
